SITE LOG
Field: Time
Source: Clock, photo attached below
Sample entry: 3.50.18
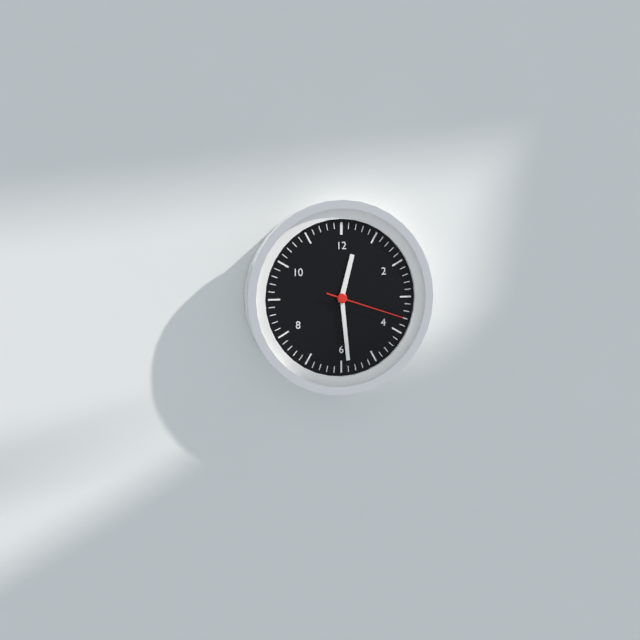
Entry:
12.29.18
